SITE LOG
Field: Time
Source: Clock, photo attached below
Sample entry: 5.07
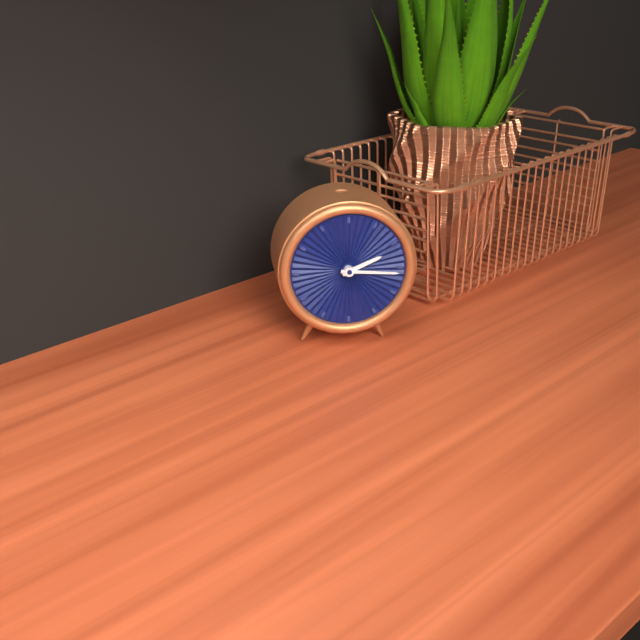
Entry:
2.16
